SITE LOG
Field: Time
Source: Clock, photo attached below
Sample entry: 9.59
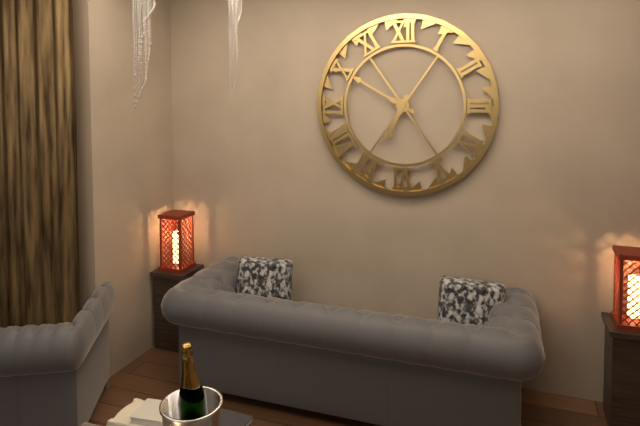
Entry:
6.50
